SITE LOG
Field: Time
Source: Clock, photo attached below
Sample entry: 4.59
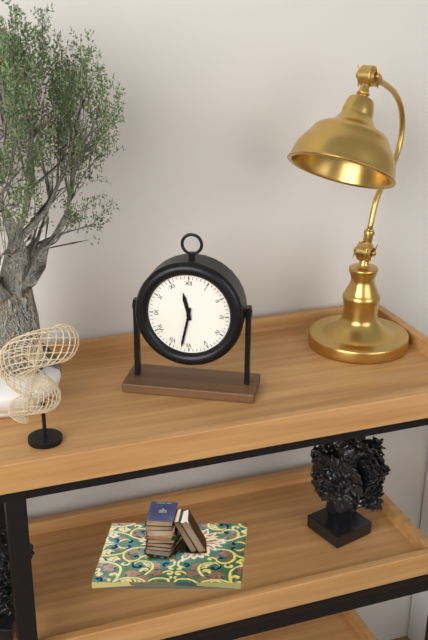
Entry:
11.32
